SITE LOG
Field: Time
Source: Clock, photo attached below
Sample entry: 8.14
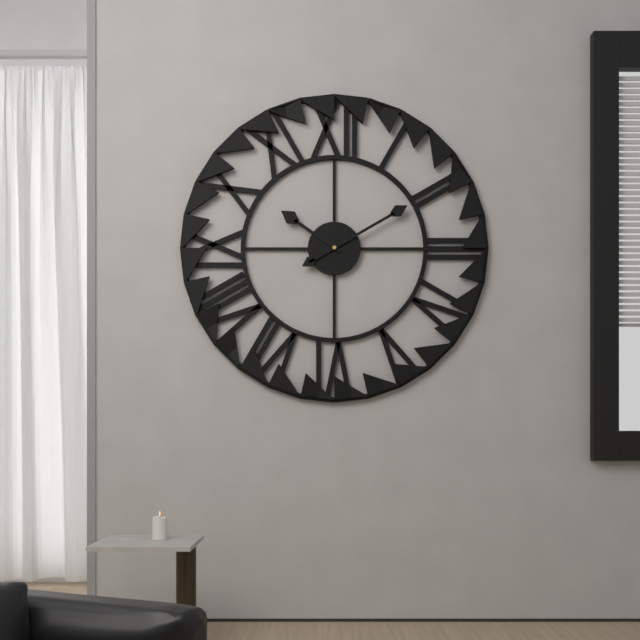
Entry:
10.10
